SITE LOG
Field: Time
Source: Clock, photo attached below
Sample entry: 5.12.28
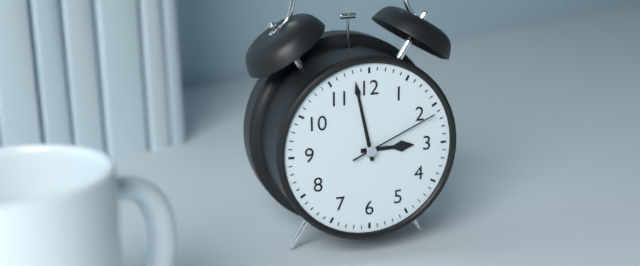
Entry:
2.58.11
